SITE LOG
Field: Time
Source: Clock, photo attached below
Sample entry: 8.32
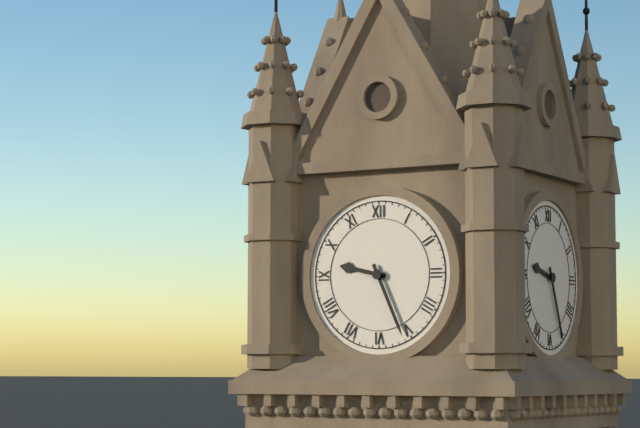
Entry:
9.26
